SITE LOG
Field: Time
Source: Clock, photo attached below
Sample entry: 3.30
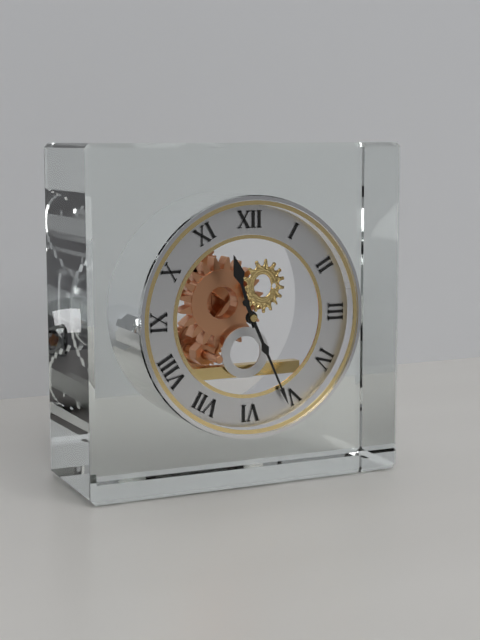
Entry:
11.26
